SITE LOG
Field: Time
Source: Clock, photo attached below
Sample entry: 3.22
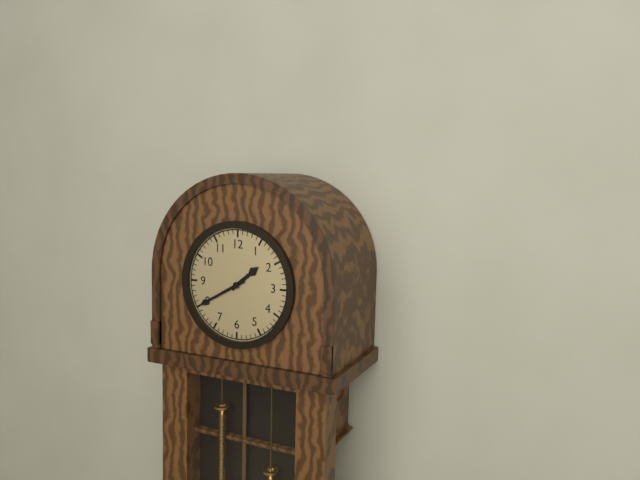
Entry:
1.40
